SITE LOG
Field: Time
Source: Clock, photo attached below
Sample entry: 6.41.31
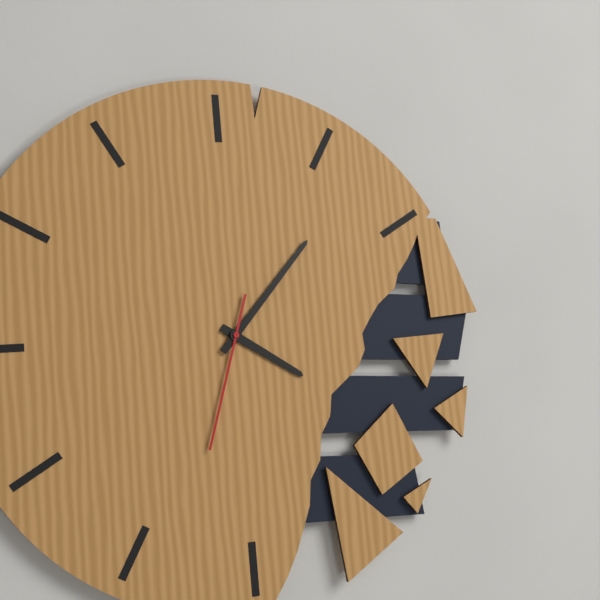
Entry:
4.07.33
